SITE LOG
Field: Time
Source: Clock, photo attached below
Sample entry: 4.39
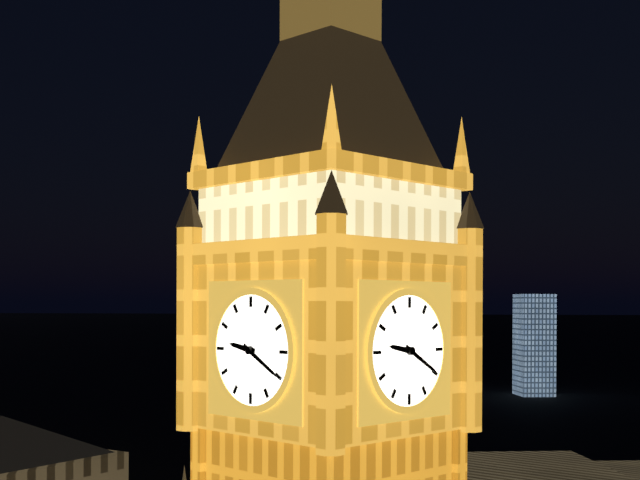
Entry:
9.20
